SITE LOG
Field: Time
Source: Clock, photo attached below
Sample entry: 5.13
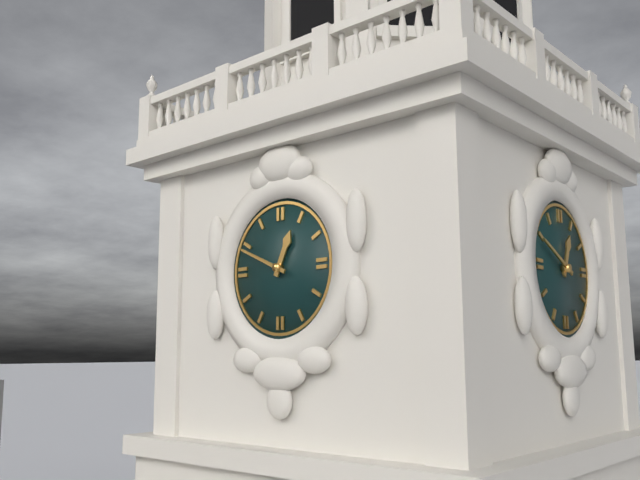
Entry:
12.49
